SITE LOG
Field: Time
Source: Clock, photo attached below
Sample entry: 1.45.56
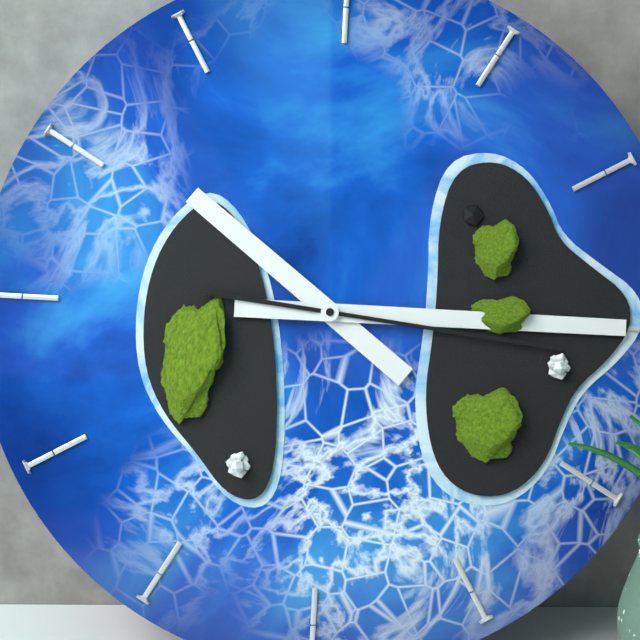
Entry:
10.15.16
